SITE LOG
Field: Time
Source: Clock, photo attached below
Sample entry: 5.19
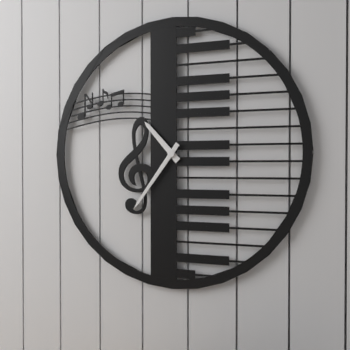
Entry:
10.36
